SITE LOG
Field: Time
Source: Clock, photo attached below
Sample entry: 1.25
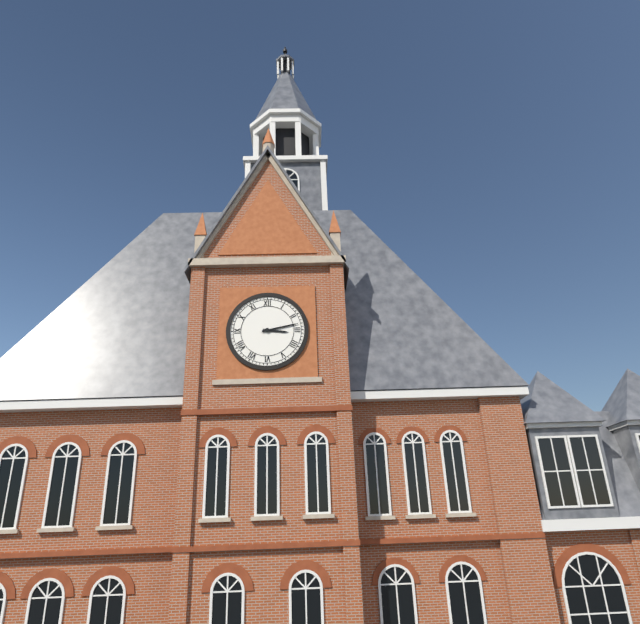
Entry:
3.13
